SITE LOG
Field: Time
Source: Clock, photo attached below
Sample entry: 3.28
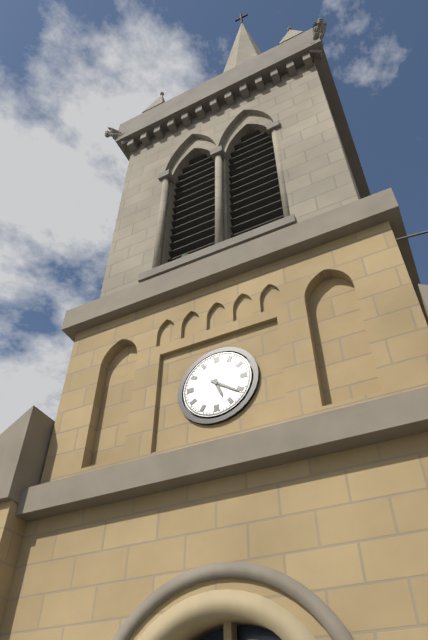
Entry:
5.21
